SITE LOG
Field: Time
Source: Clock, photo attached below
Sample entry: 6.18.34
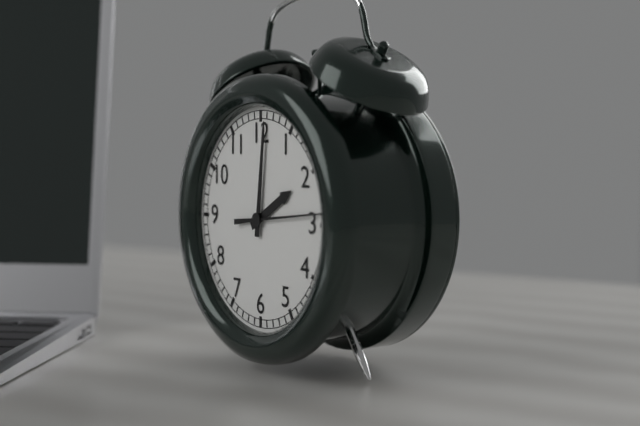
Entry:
2.01.14
